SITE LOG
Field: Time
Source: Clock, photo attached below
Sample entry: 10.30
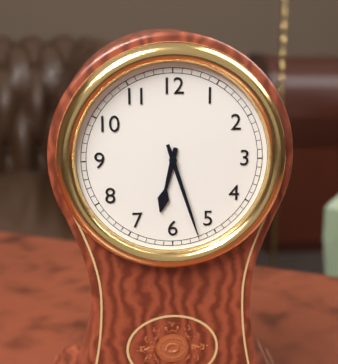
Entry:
6.27
